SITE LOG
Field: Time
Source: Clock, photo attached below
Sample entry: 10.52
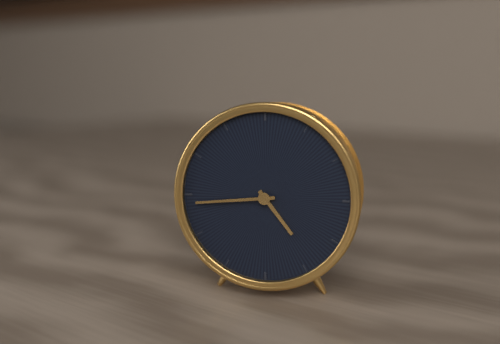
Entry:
4.44
